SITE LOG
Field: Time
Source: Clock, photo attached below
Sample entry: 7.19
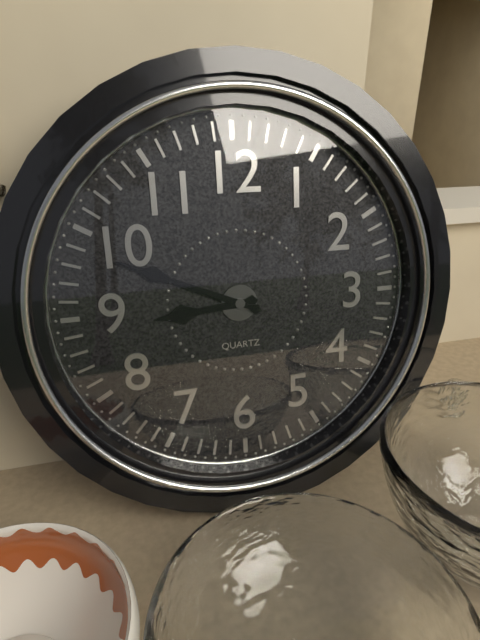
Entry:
8.49
